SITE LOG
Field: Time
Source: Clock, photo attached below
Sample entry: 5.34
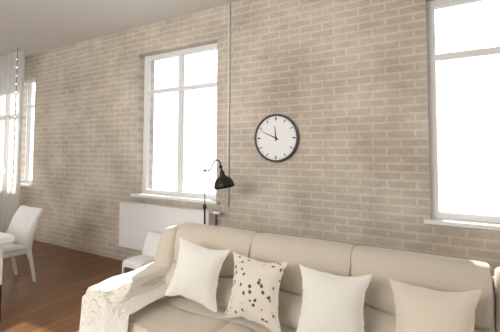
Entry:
11.49
